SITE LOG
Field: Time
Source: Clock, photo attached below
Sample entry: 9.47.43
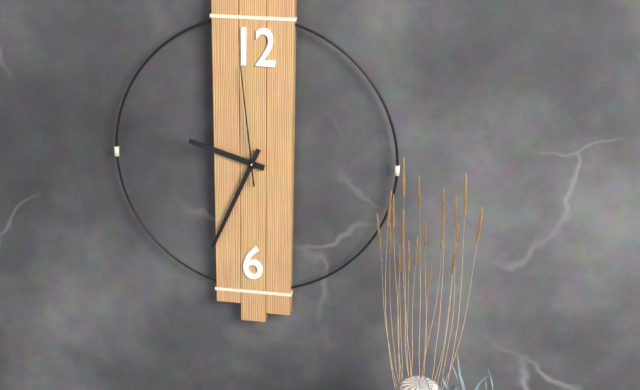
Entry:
9.34.59
